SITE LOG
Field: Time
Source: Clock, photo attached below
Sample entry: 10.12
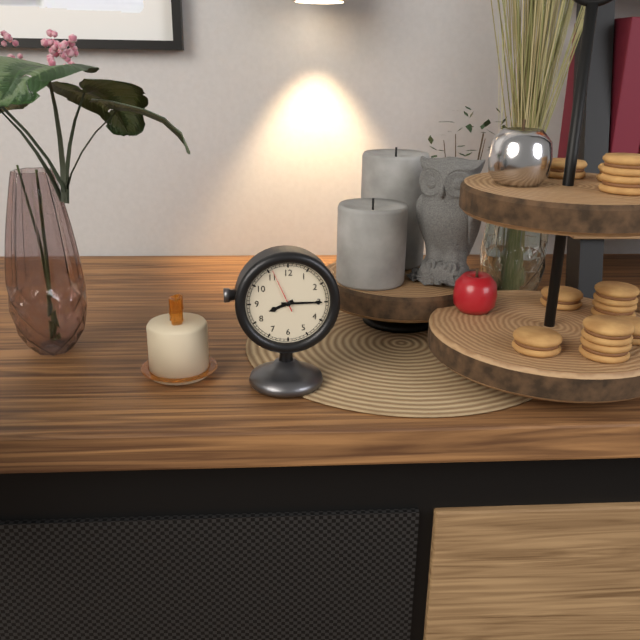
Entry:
8.15
